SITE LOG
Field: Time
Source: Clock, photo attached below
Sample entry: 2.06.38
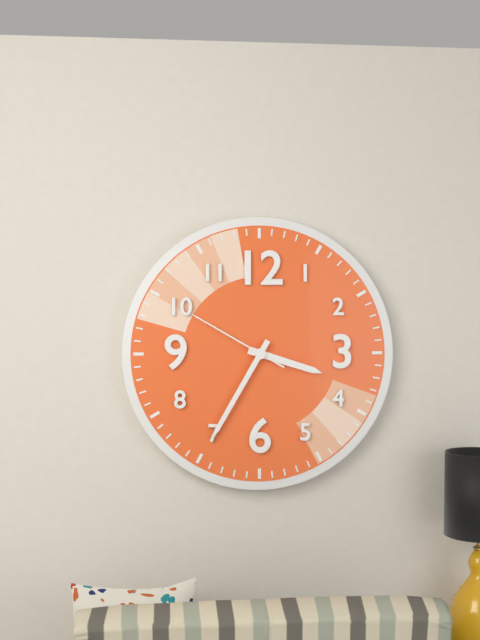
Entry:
3.35.50
